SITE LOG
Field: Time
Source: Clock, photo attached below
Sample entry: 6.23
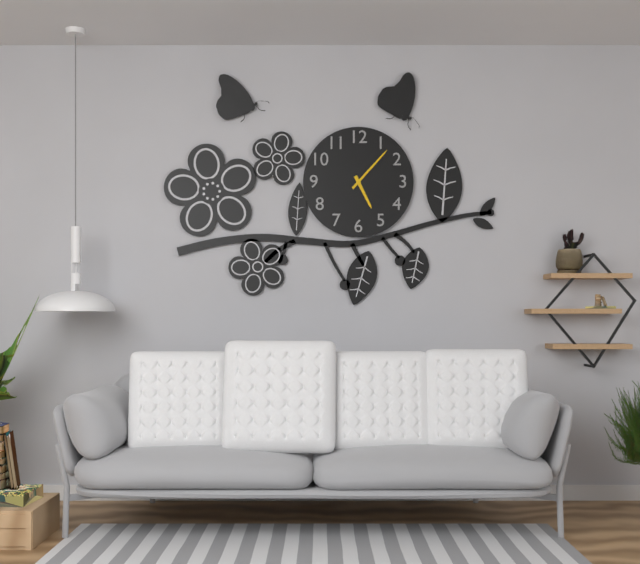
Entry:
5.07
